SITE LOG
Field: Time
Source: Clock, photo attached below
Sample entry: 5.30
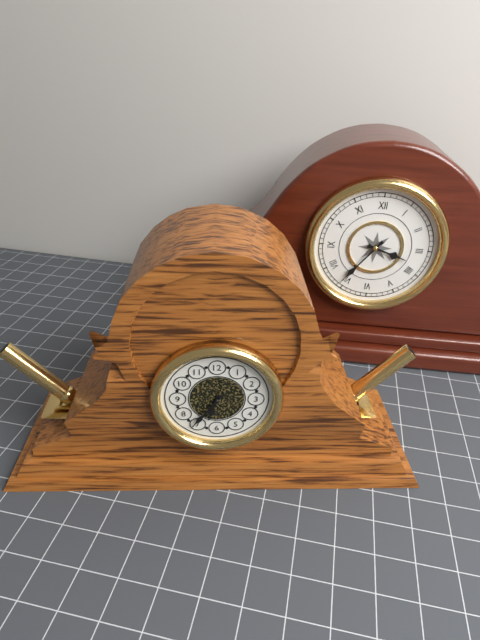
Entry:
6.36
